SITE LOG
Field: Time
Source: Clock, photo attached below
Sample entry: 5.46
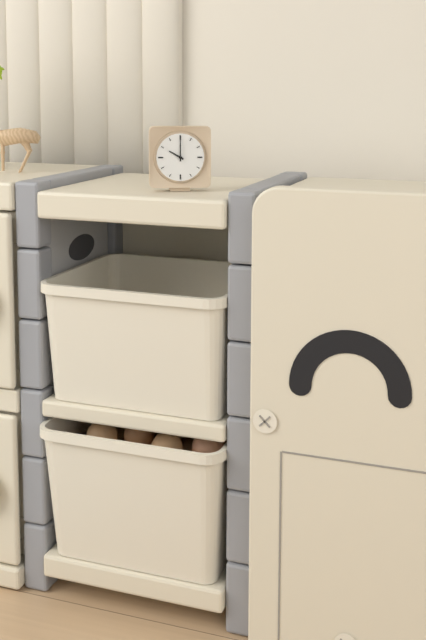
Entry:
10.00
